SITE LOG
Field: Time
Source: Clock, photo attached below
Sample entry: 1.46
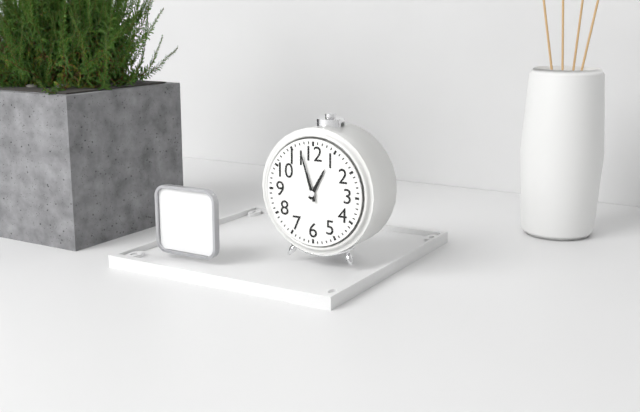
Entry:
12.57
